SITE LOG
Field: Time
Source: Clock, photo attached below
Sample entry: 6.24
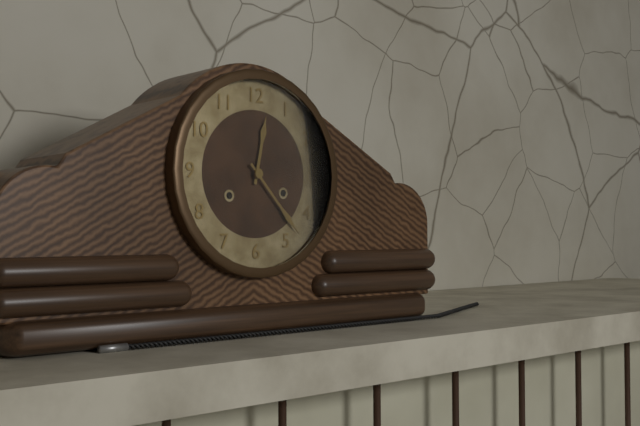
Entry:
12.23
